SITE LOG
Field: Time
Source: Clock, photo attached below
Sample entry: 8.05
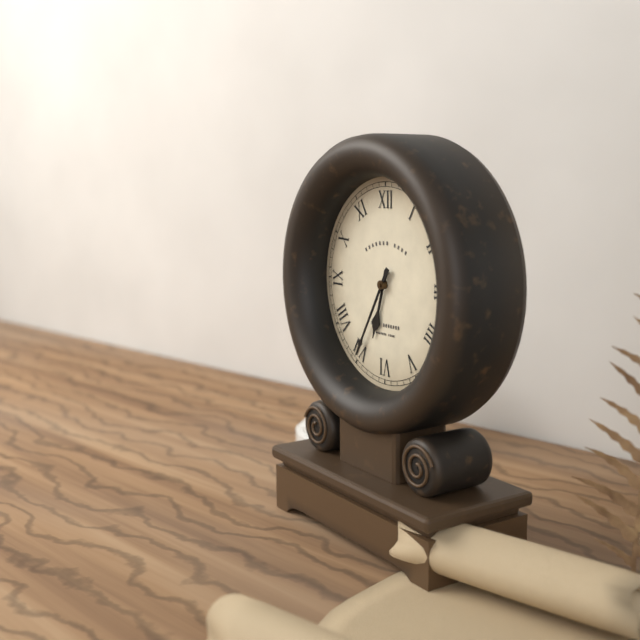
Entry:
6.35
